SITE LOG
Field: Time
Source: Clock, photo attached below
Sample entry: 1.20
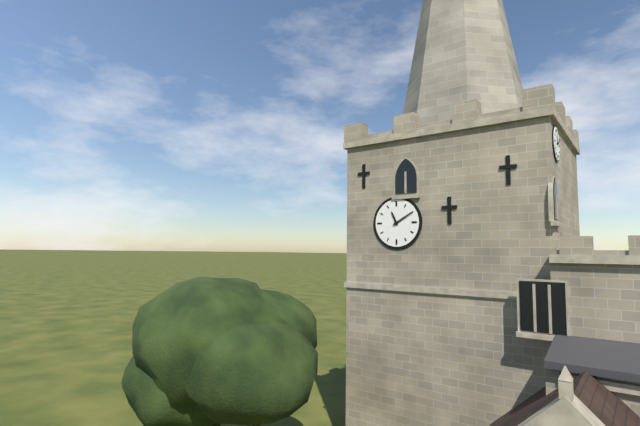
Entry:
11.10
